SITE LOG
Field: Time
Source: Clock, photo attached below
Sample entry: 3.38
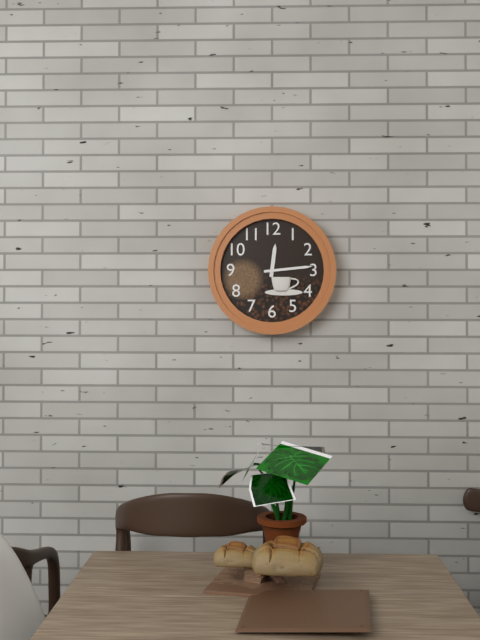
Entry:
12.14
